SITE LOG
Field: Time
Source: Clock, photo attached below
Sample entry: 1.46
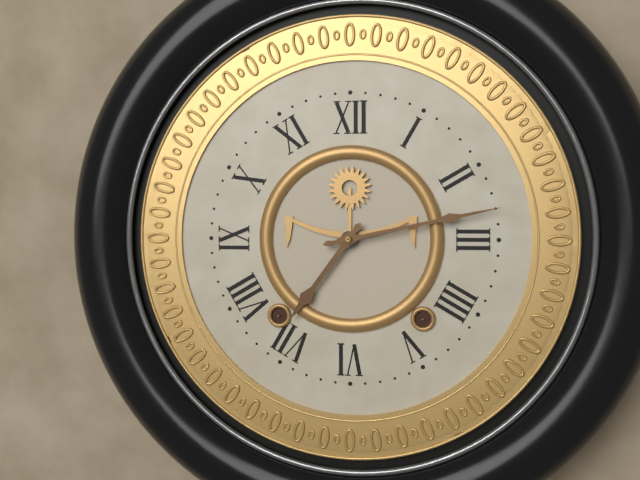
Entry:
7.13
